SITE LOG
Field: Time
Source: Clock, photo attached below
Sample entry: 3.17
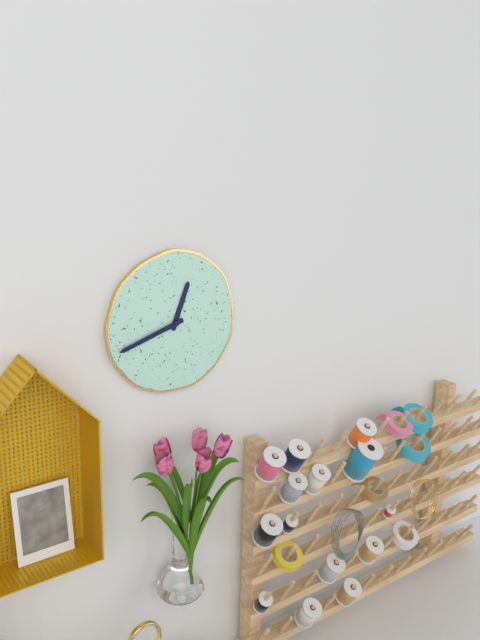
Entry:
12.42
